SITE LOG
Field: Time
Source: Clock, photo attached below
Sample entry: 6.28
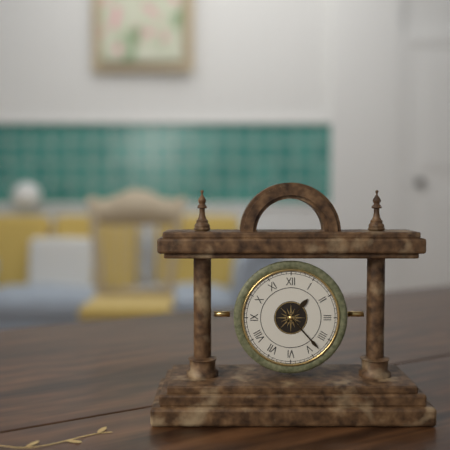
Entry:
1.23
